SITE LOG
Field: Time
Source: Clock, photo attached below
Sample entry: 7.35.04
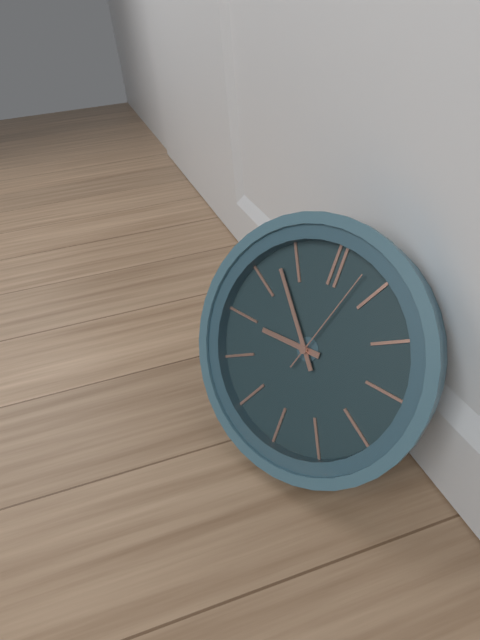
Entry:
8.53.03
